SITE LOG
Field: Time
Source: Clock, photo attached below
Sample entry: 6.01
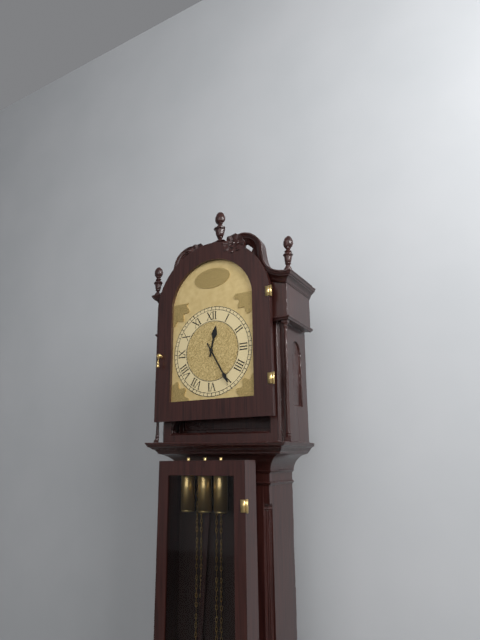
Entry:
12.25
